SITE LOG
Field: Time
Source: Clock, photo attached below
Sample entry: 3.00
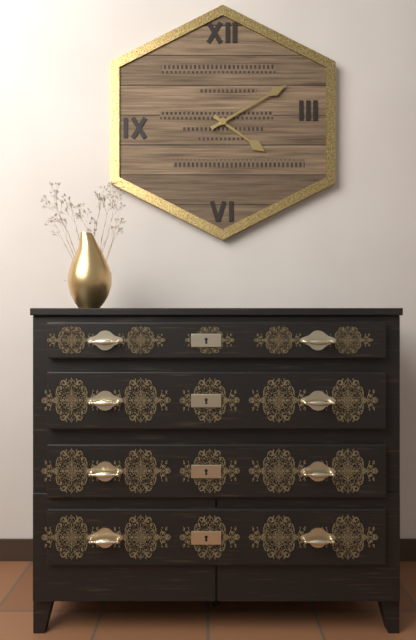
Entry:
4.10
